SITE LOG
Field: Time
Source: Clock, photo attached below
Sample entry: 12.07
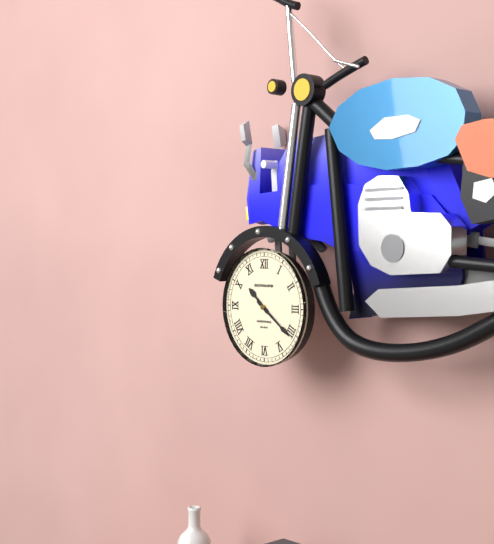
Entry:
10.21
